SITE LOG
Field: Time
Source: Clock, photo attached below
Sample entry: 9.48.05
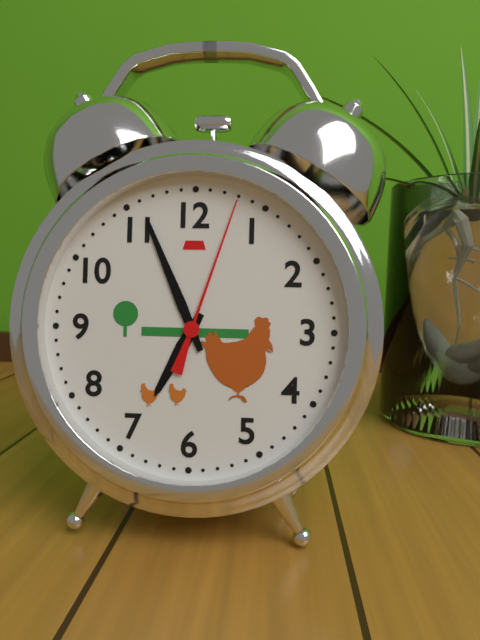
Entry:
6.56.03
